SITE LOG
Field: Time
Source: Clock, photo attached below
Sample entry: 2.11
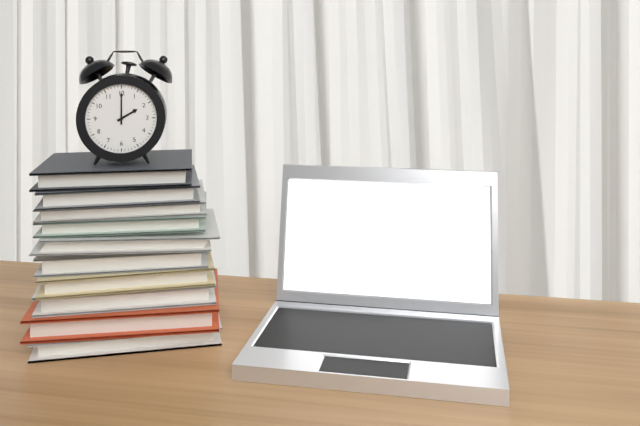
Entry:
2.00
